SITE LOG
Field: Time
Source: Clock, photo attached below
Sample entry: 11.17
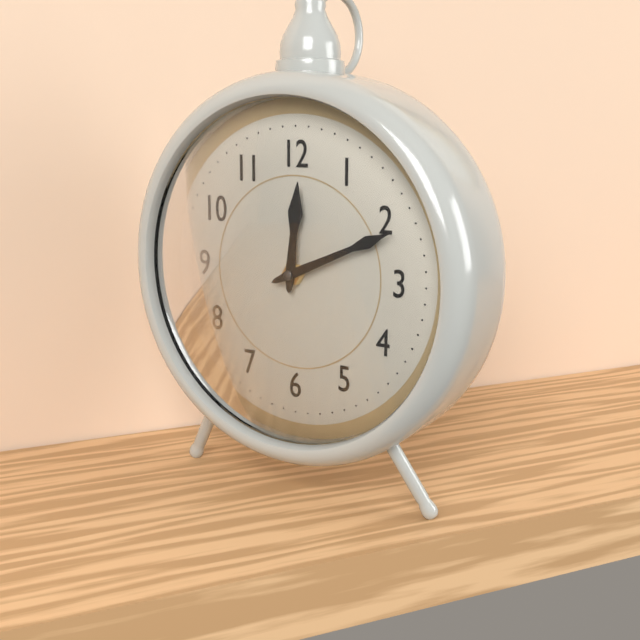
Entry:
12.11
